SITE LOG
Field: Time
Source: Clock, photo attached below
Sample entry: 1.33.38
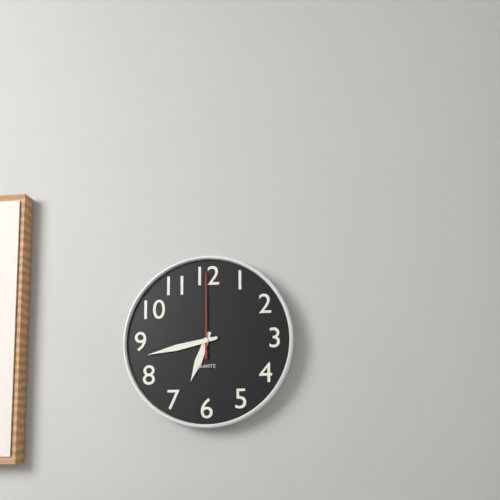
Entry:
6.43.00
